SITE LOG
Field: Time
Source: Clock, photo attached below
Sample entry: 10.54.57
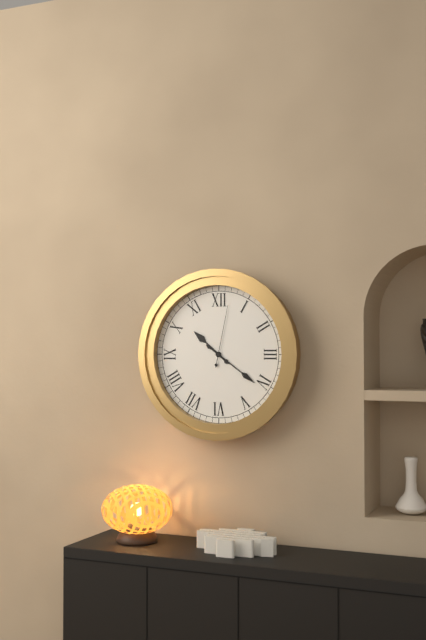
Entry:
10.21.02
